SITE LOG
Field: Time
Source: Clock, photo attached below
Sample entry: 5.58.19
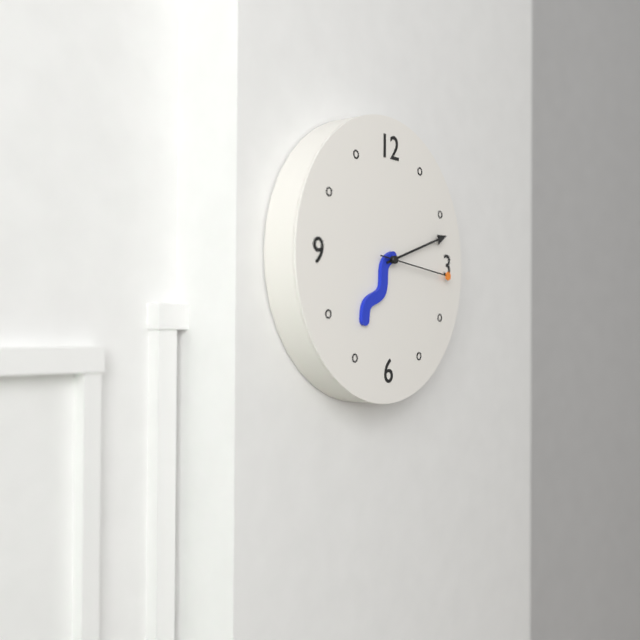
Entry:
7.12.16
